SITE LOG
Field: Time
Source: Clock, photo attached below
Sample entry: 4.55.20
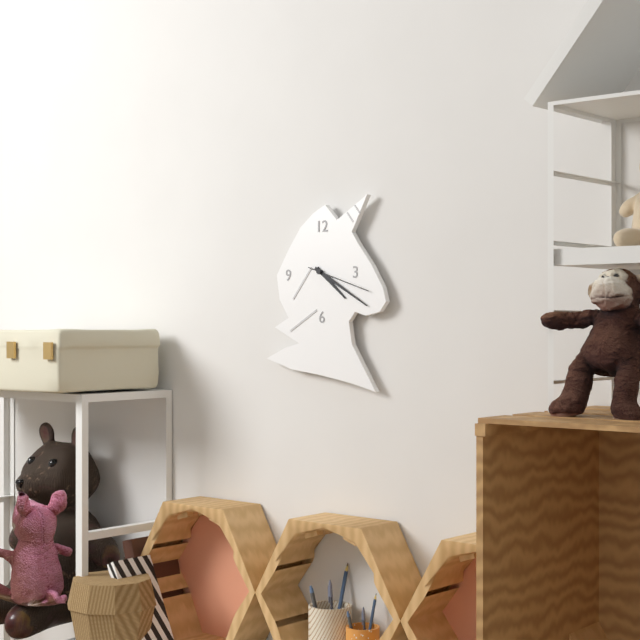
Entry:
4.20.18
